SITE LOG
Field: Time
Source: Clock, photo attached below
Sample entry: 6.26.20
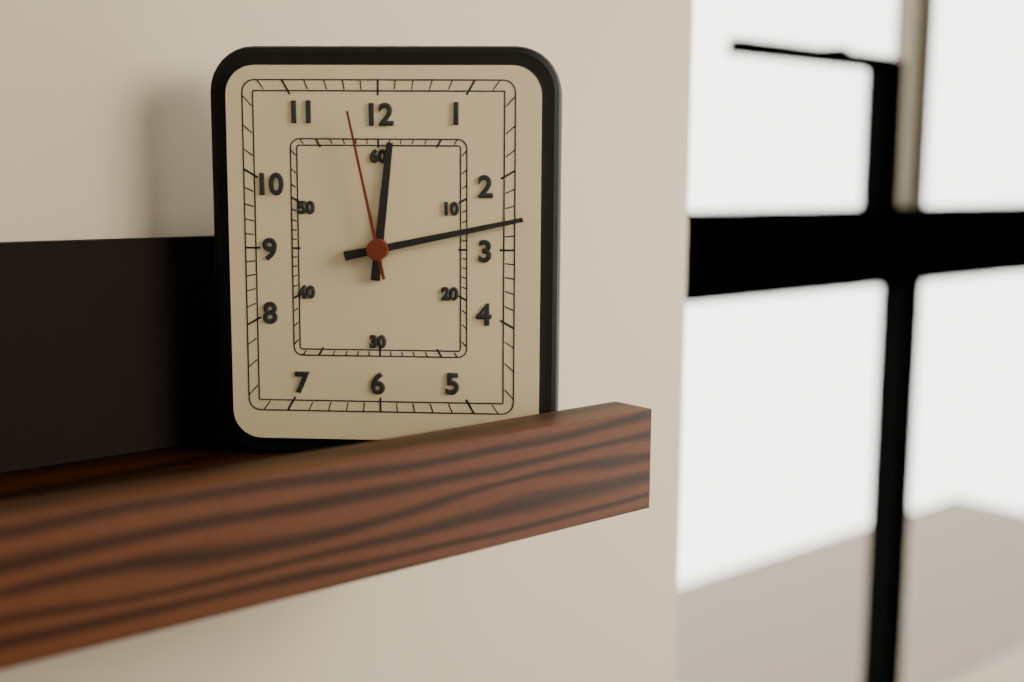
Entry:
12.13.58
